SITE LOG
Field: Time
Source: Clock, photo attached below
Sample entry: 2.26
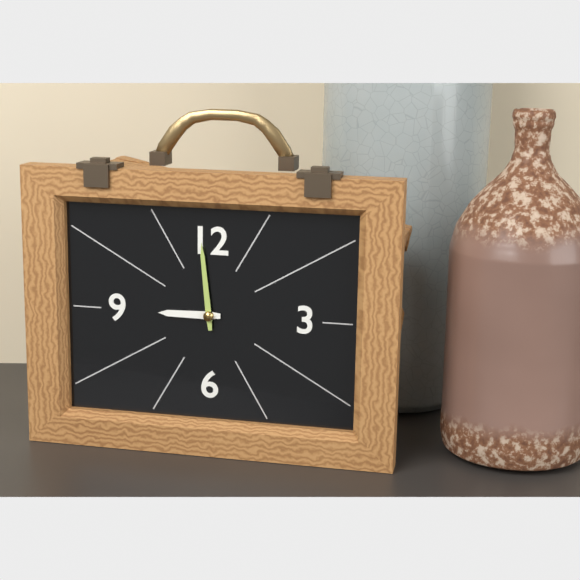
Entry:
8.59
